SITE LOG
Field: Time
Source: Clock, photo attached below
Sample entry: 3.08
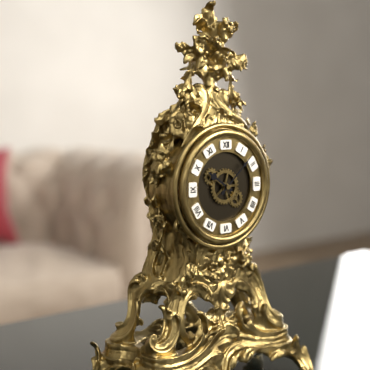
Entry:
10.08
